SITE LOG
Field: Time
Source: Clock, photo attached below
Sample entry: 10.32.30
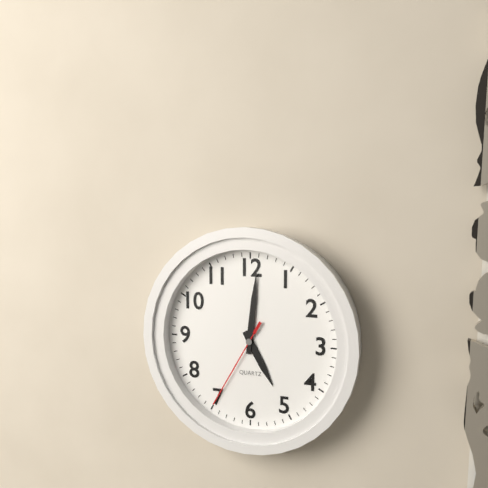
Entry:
5.01.35
